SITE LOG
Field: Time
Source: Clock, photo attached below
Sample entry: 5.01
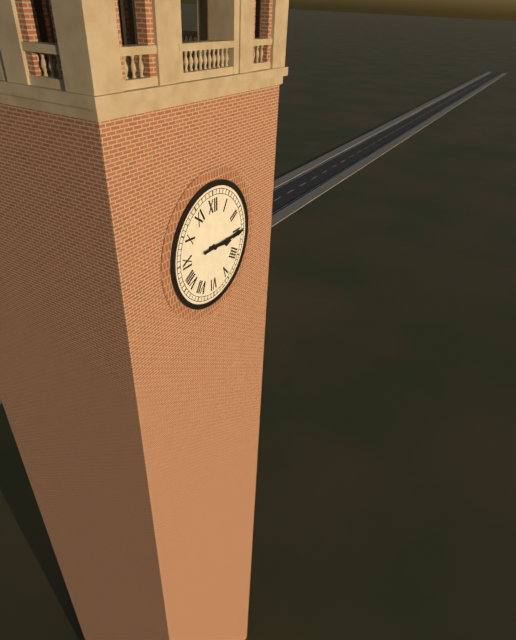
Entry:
3.15
